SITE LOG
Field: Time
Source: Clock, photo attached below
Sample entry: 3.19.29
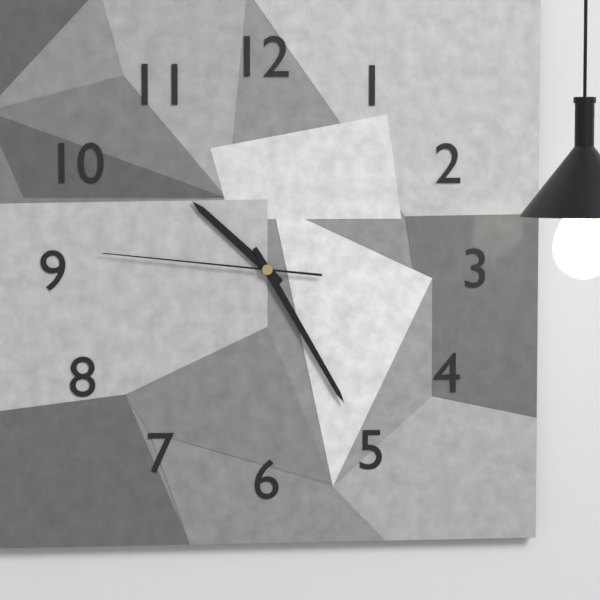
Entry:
10.25.46
